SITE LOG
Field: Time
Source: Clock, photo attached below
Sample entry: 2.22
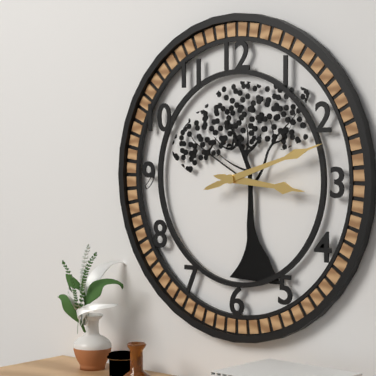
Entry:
3.12
